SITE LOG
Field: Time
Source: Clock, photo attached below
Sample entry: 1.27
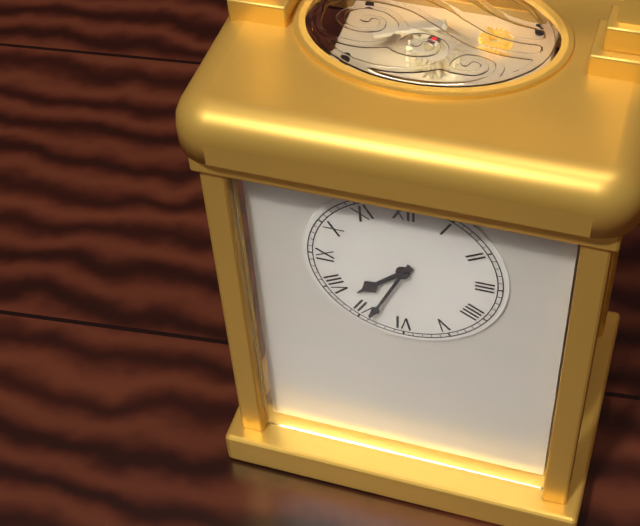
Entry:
7.34
